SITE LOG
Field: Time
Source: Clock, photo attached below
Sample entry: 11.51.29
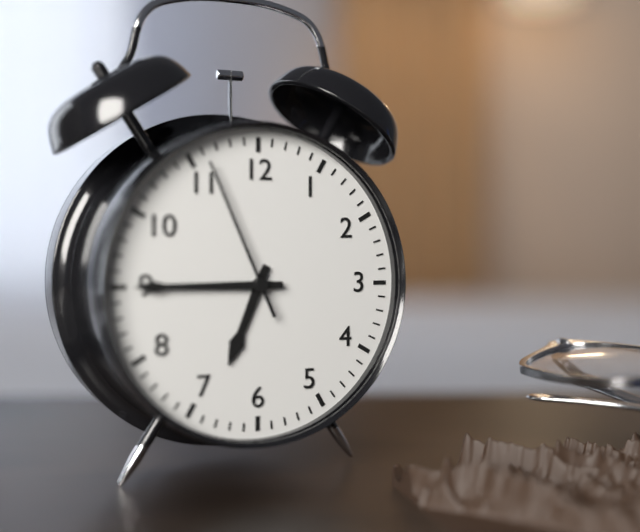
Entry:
6.45.56
